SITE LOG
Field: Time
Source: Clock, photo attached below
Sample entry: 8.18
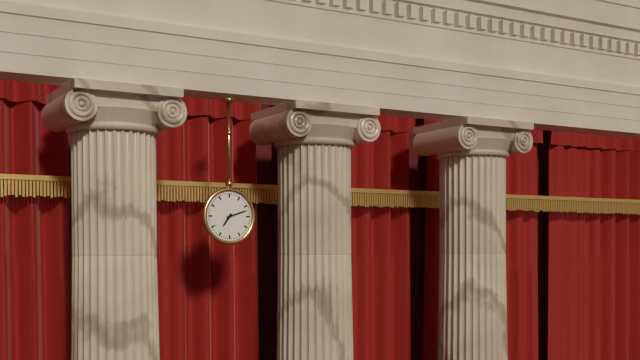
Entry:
7.12
